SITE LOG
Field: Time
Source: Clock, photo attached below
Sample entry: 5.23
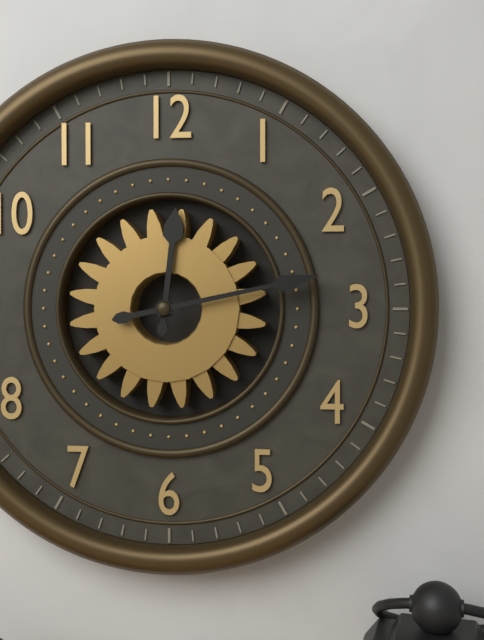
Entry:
12.13
